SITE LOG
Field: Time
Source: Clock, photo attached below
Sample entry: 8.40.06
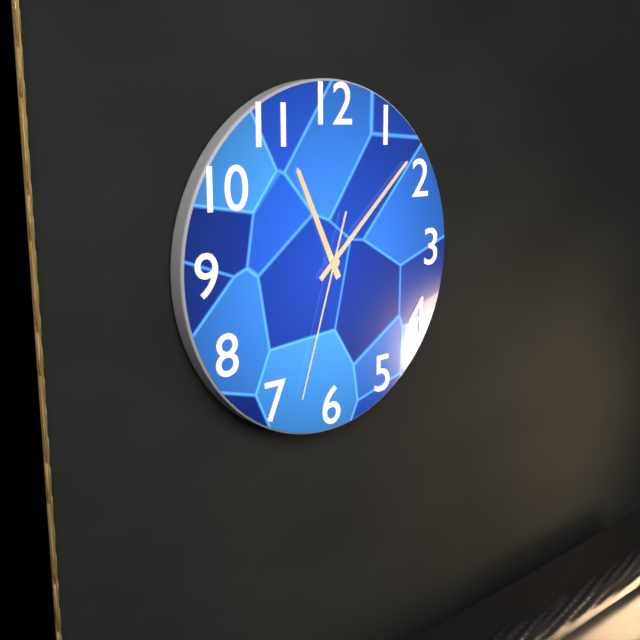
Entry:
11.08.33
